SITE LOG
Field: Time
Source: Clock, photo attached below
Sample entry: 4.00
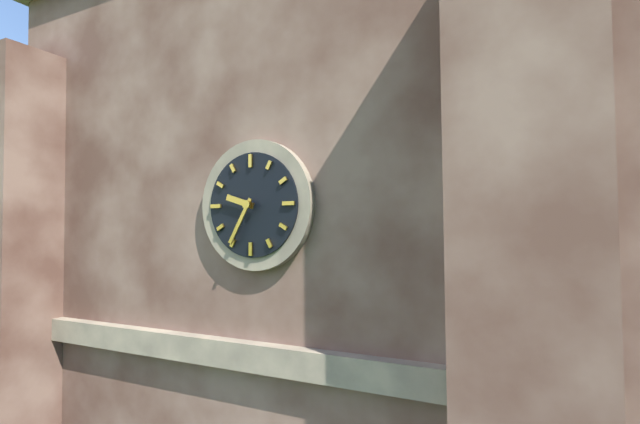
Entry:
9.35
